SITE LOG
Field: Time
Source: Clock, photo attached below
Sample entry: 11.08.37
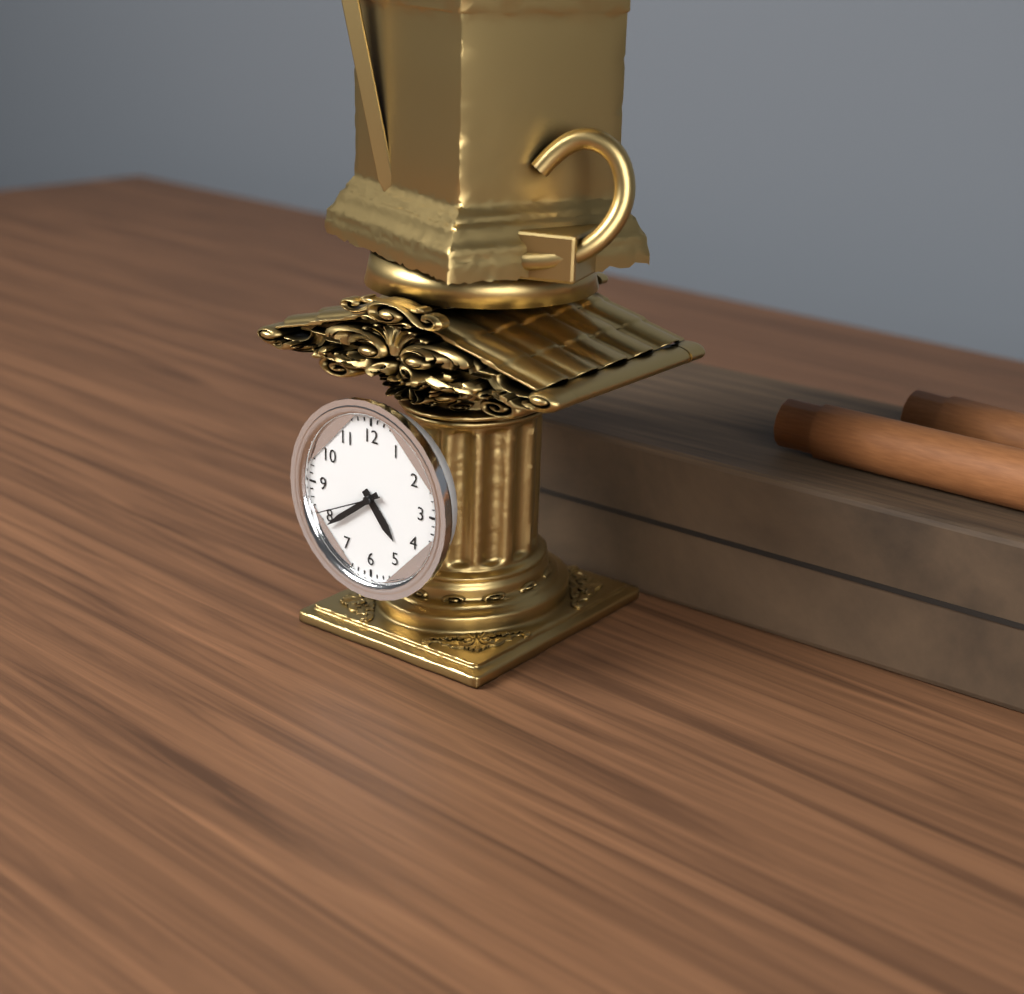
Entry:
4.39.41
